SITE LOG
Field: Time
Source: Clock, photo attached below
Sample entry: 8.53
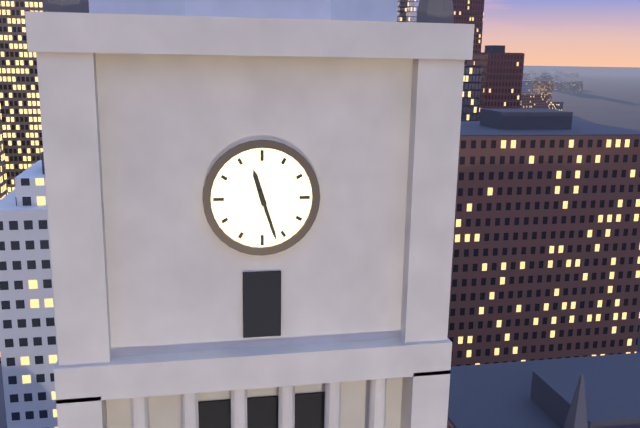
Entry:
11.27
